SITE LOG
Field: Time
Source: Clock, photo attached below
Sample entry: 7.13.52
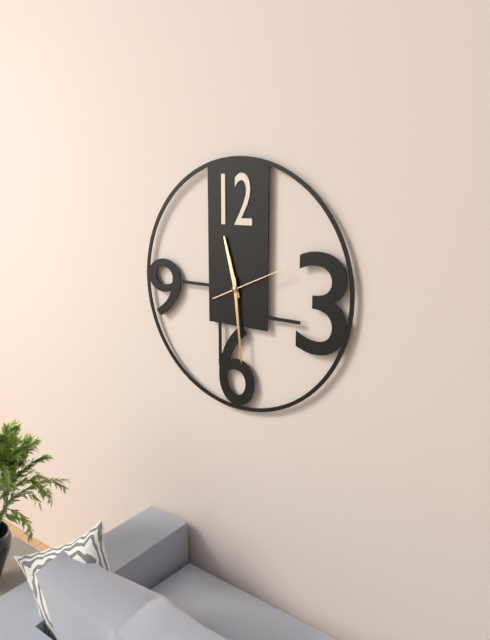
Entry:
11.29.11
